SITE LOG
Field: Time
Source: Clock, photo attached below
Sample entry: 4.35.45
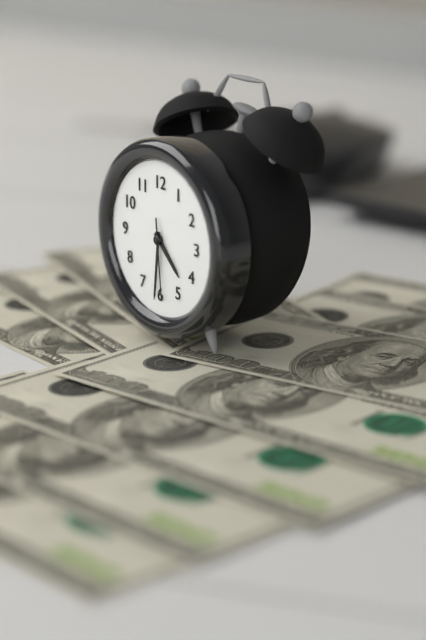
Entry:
4.31.29
